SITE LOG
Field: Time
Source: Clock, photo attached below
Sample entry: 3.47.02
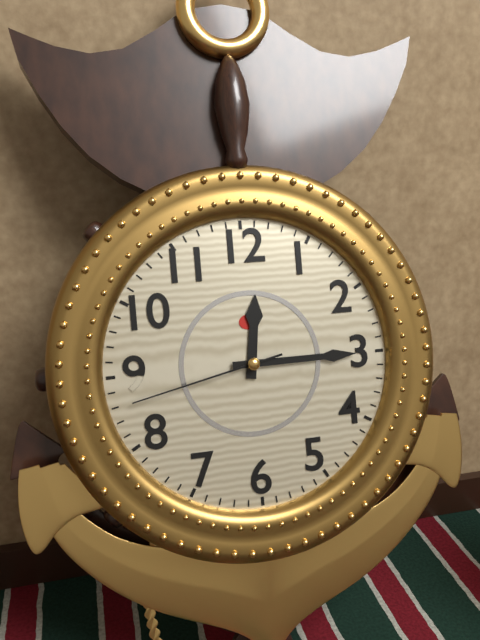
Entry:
12.15.43
